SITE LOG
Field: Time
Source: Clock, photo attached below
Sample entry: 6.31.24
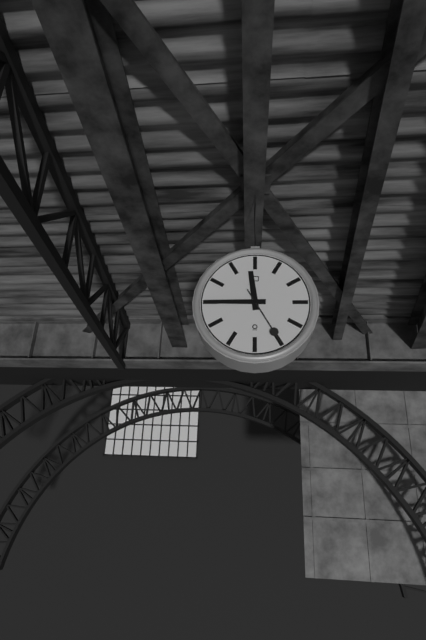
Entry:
11.45.25
